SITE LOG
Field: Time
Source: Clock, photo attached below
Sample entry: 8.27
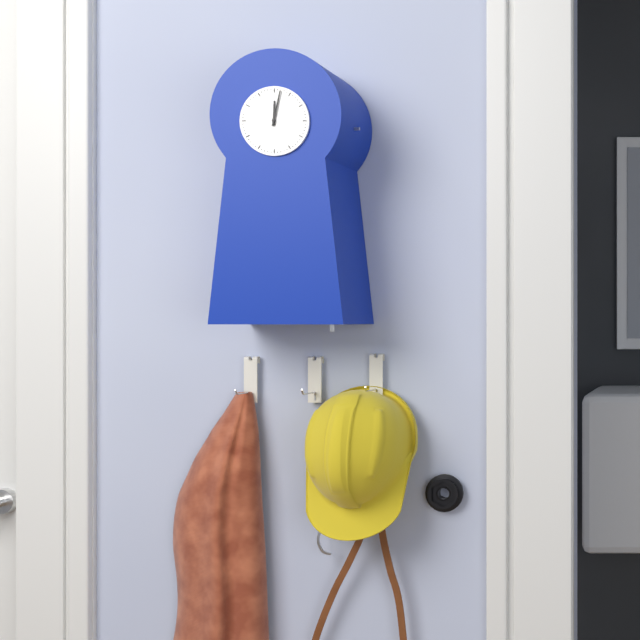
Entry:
12.02
